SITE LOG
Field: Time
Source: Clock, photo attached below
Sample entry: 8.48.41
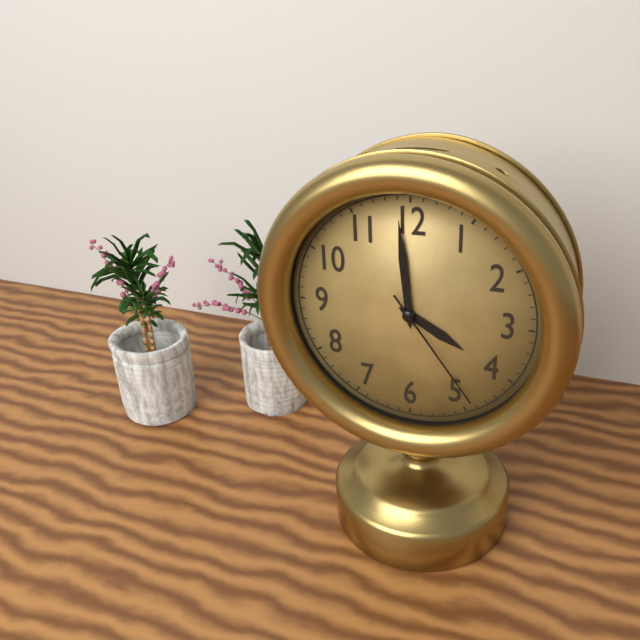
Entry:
3.59.24
